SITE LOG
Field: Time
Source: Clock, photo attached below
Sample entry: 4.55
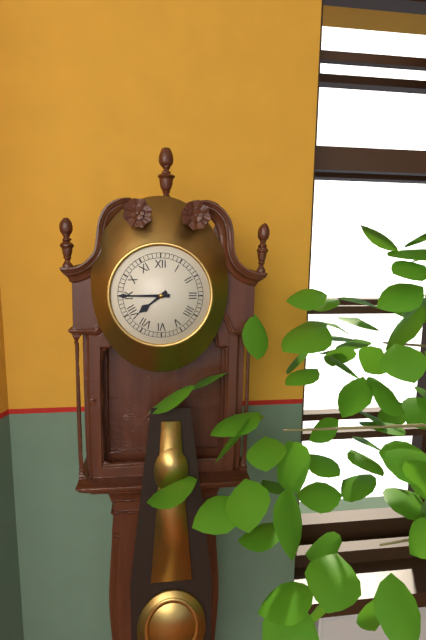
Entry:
7.45
